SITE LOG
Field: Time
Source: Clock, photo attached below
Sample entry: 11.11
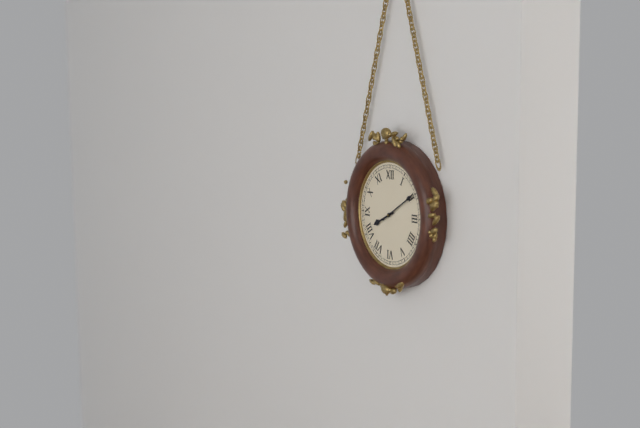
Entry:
8.10
